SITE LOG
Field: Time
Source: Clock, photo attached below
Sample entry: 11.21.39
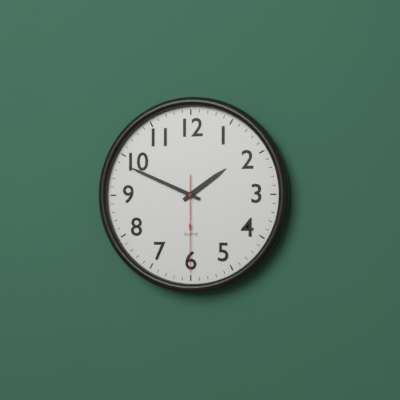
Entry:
1.49.30
